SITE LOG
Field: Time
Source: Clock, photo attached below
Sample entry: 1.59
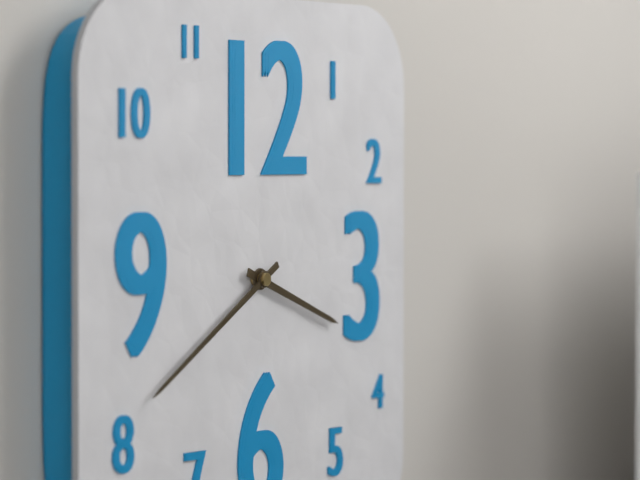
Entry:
3.40
